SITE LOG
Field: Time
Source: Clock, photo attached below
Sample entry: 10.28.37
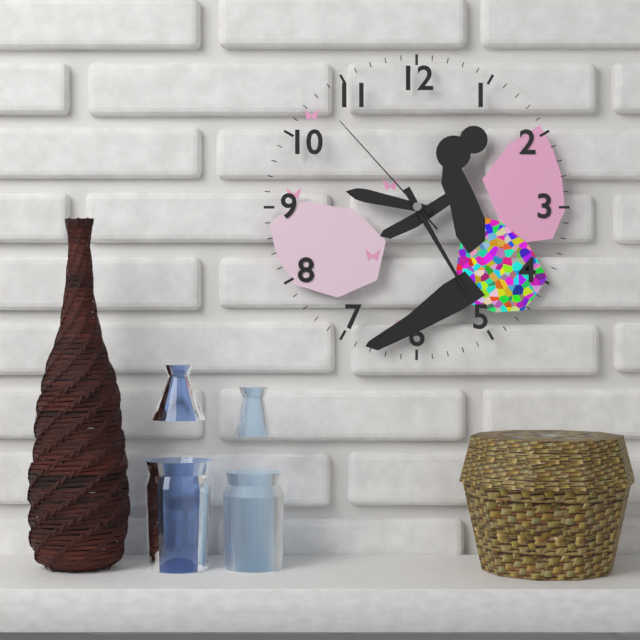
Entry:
9.25.53
